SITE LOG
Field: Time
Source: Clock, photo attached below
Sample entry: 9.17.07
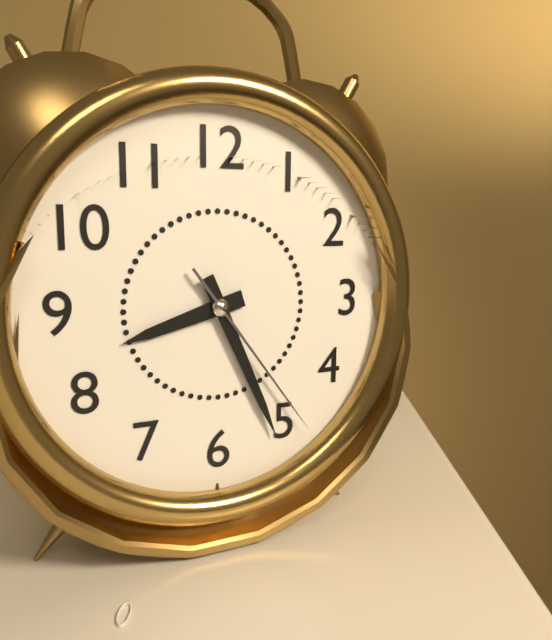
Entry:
8.26.24
